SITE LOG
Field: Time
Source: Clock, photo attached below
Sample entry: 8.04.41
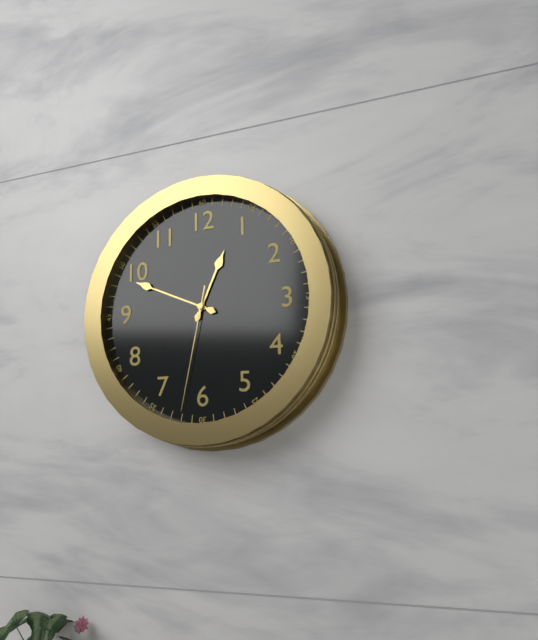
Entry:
12.49.32
